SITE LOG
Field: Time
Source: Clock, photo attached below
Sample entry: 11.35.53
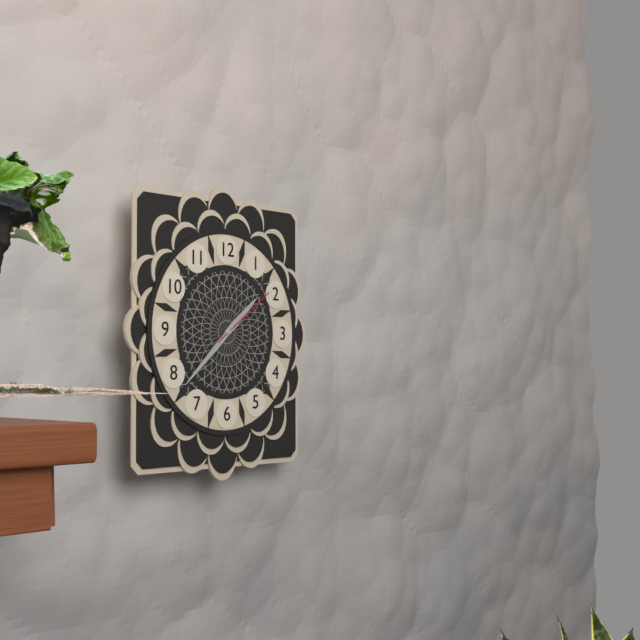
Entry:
1.38.09
